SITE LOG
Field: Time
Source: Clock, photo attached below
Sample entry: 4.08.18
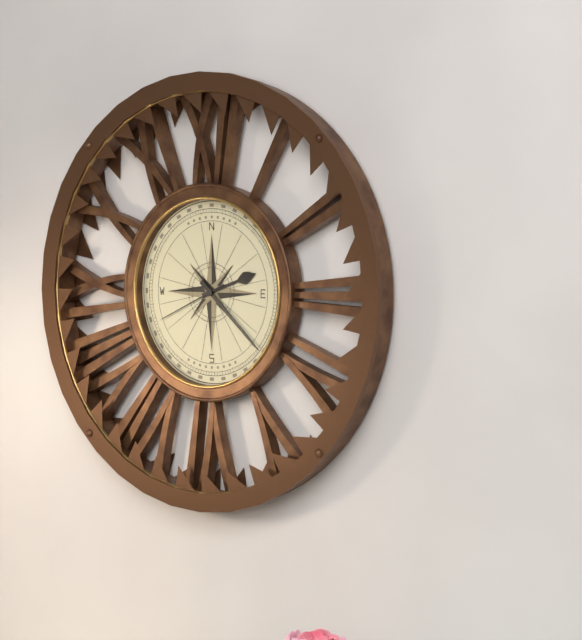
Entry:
2.22.41
